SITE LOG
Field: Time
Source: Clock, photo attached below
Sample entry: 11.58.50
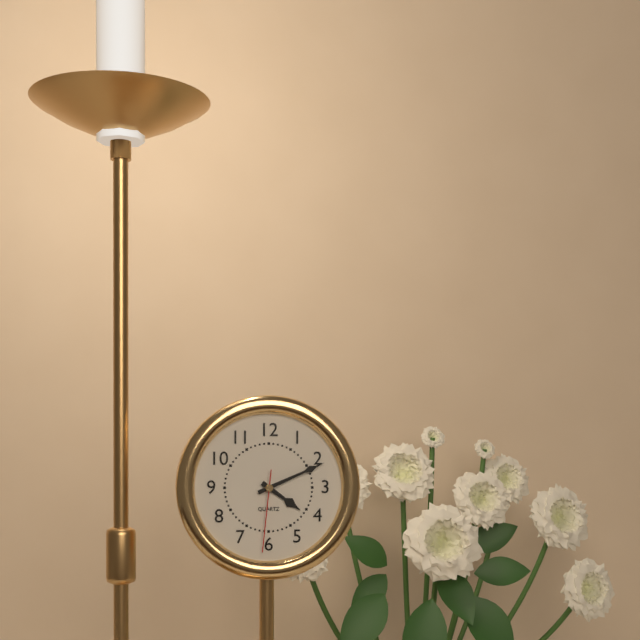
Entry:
4.11.31
